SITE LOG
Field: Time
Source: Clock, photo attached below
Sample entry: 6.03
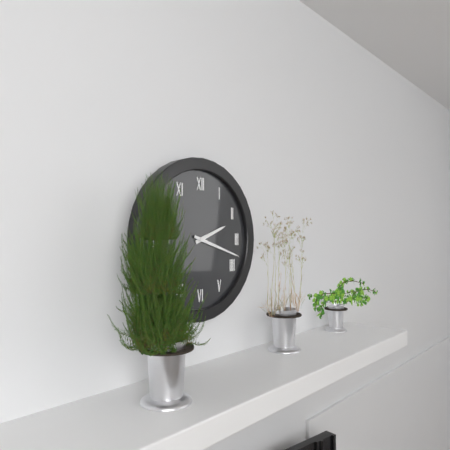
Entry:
2.18
